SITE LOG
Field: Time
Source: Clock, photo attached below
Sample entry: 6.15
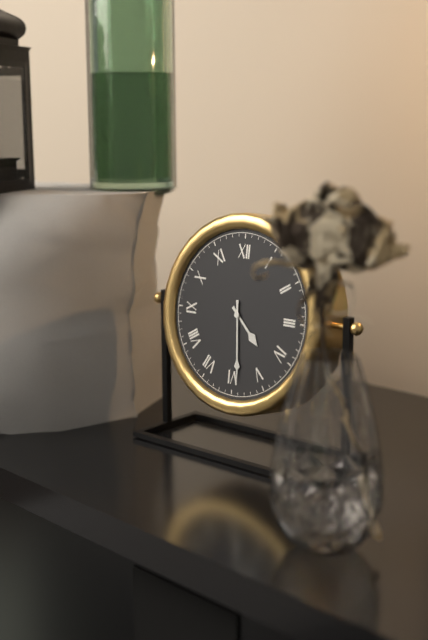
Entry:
4.29
